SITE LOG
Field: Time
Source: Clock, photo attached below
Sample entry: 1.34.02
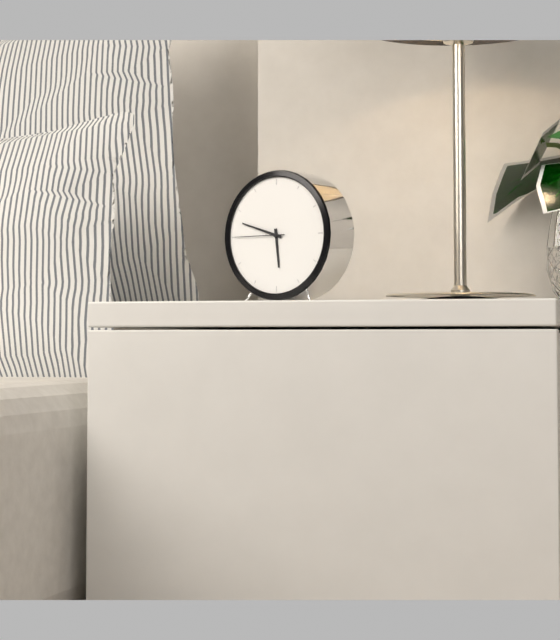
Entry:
5.48.45
